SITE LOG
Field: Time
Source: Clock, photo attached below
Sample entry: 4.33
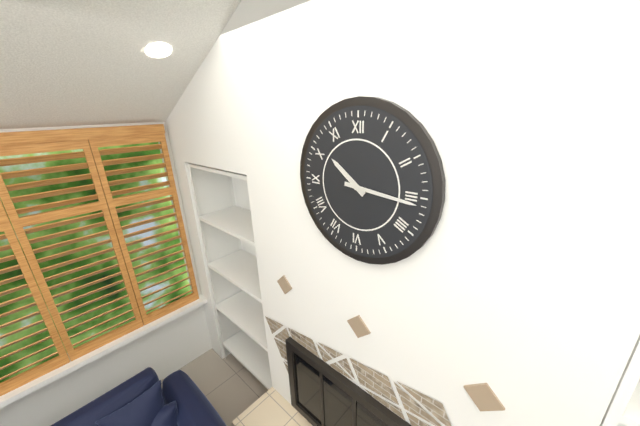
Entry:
10.16
